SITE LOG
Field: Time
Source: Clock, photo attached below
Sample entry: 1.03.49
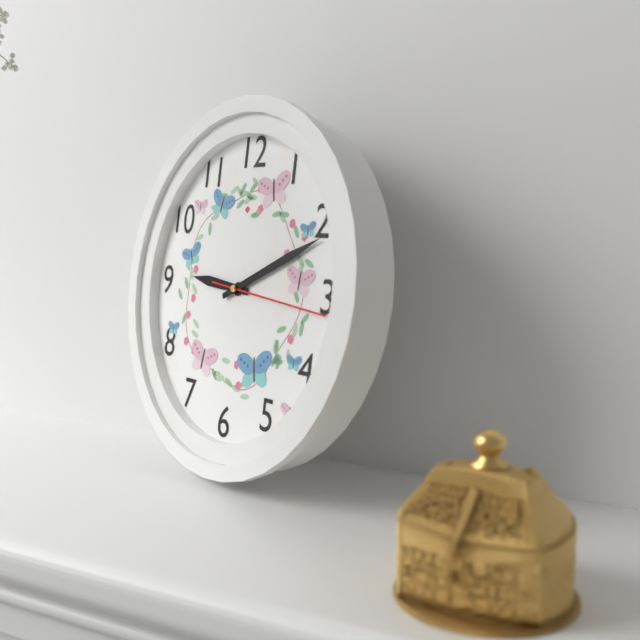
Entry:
9.11.16
